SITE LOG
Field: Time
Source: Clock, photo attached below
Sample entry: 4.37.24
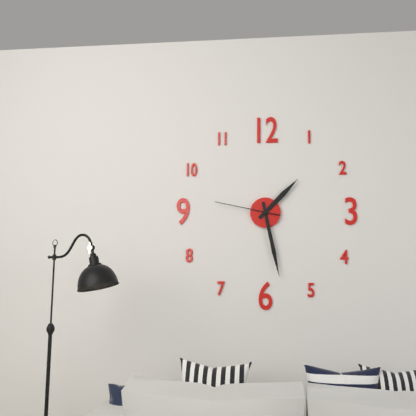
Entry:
1.28.47
